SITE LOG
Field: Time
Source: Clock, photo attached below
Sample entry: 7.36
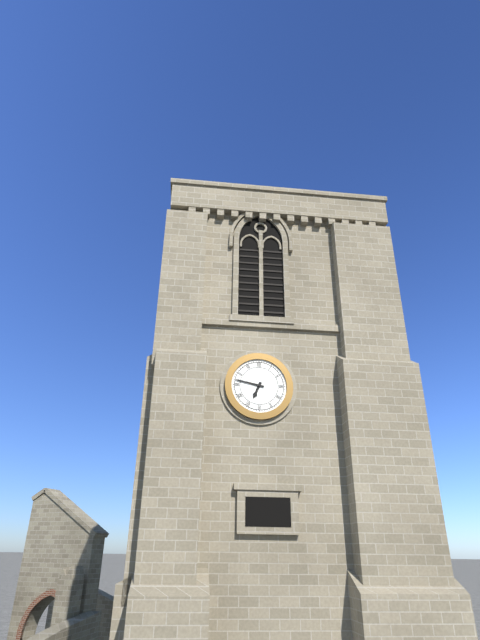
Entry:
6.47
